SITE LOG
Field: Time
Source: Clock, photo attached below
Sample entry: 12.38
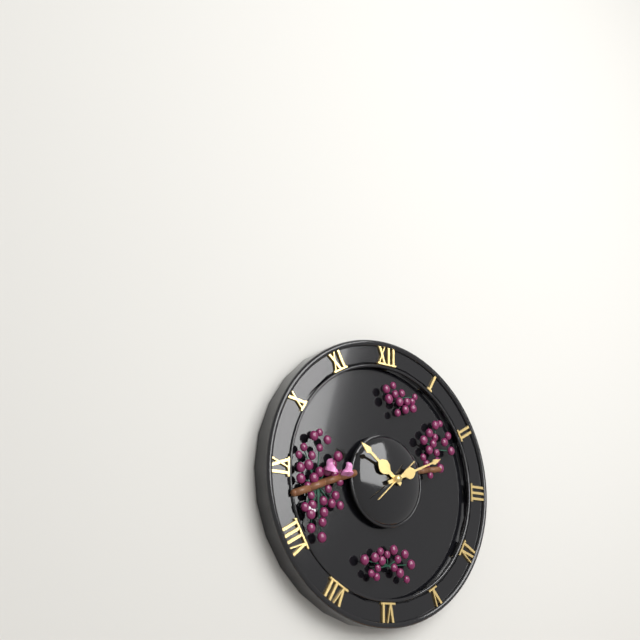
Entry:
10.11
